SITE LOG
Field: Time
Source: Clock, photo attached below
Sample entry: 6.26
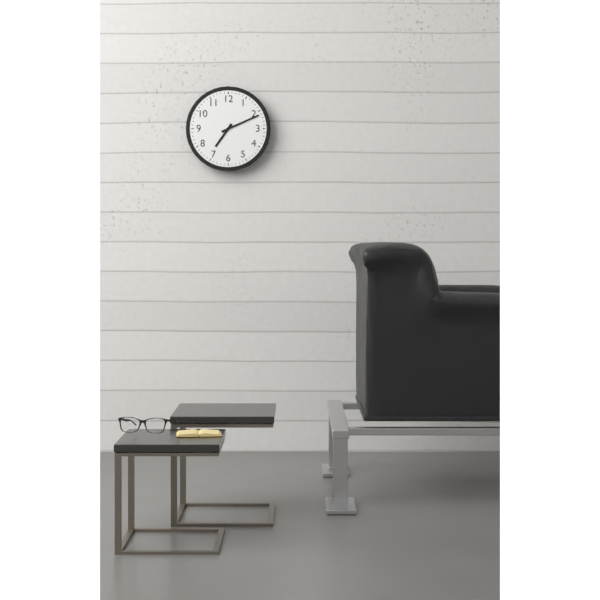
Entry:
7.11
